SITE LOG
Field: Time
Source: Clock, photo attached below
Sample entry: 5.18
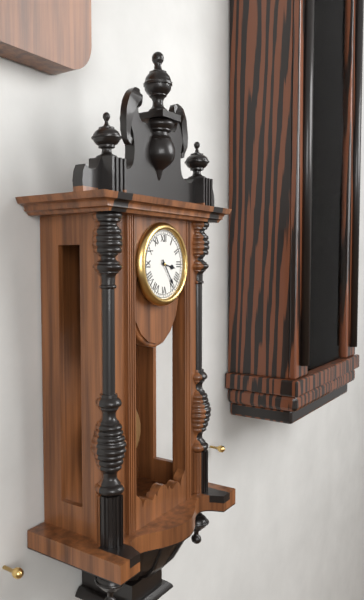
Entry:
3.24
